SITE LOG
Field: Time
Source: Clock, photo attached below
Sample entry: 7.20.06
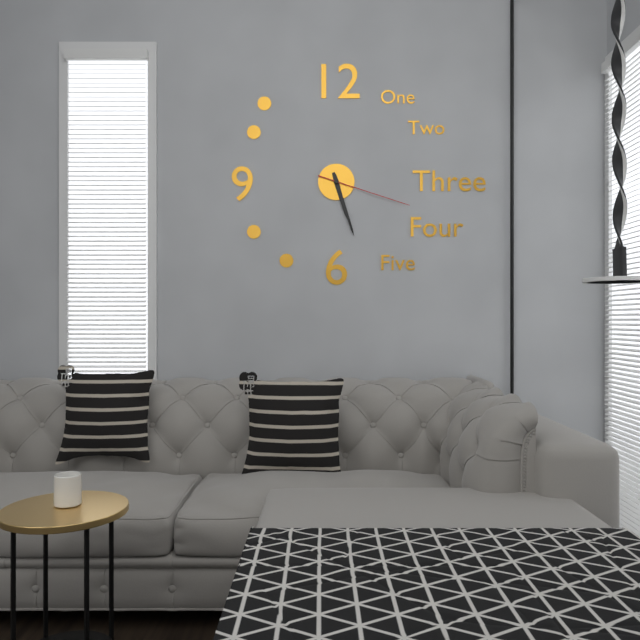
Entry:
5.27.18
